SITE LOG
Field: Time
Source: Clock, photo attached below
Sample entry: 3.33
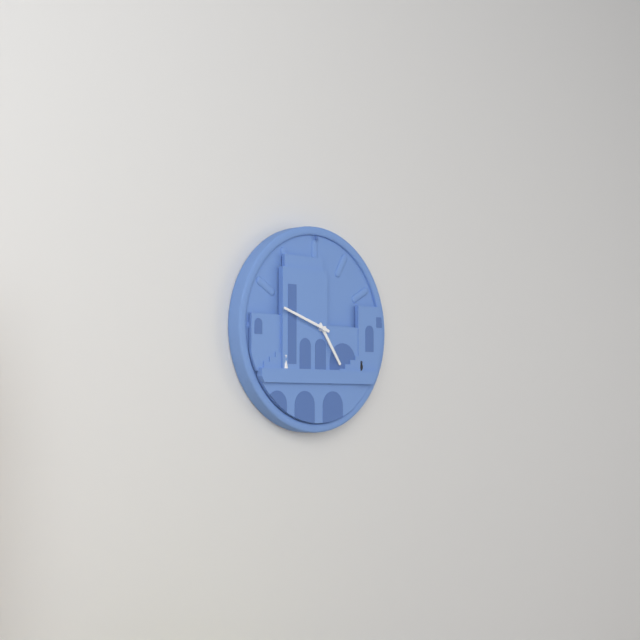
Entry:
4.48
